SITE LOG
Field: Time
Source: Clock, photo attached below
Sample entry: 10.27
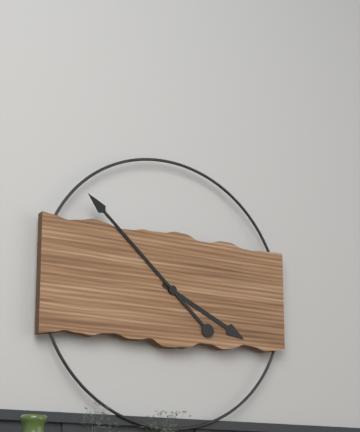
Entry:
3.52
